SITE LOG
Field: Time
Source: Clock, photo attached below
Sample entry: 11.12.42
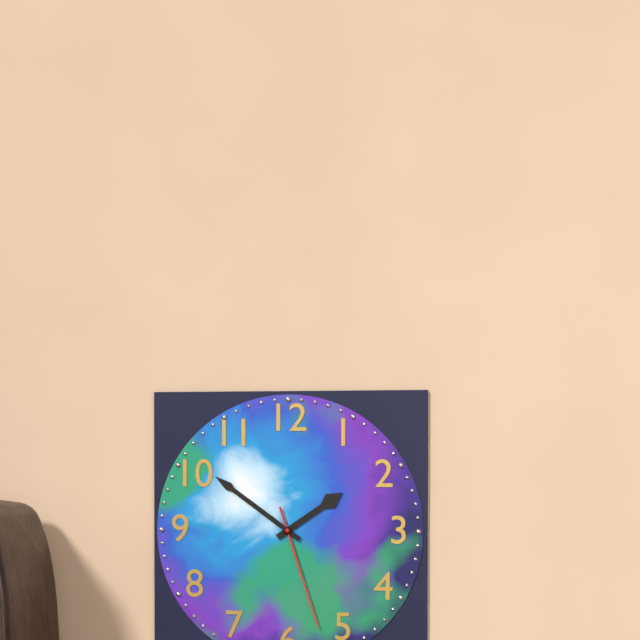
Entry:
1.51.27
